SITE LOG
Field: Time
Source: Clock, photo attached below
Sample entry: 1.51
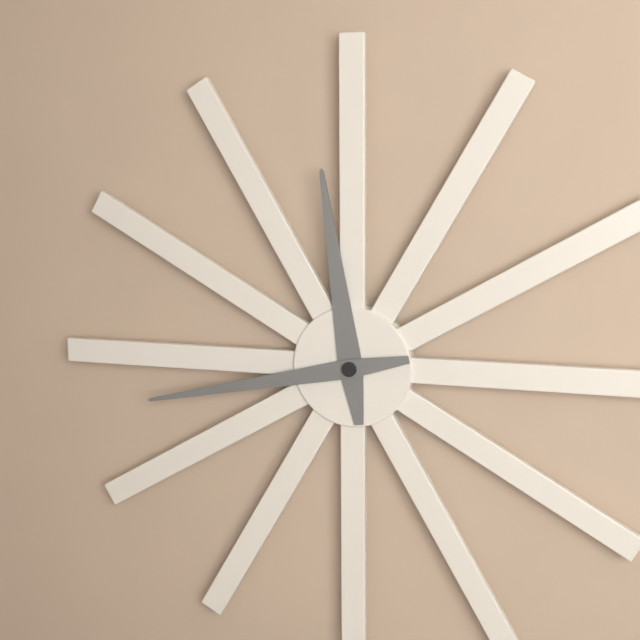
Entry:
11.43
